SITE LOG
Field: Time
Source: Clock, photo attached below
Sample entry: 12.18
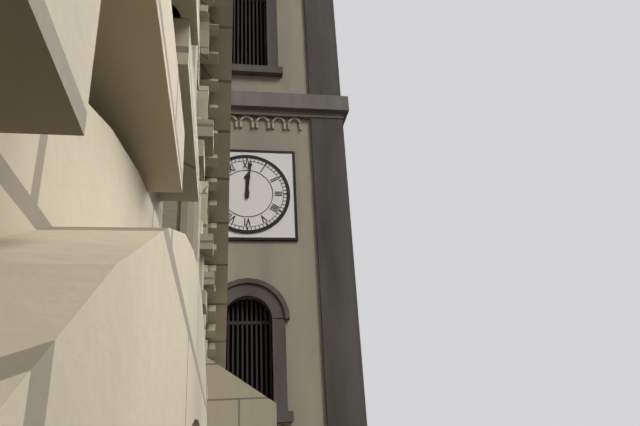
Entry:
12.01
